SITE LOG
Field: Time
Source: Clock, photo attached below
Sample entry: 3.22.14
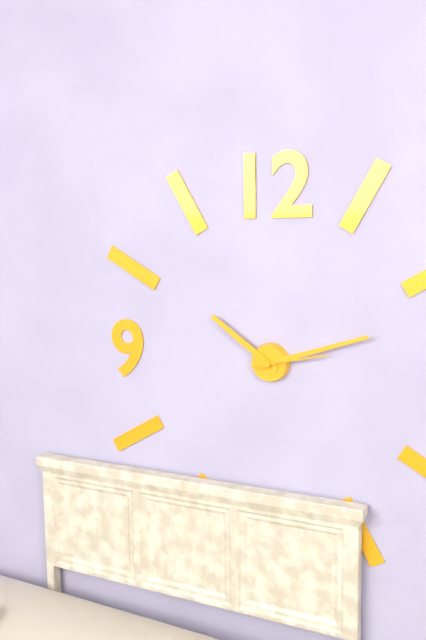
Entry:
10.12.13
